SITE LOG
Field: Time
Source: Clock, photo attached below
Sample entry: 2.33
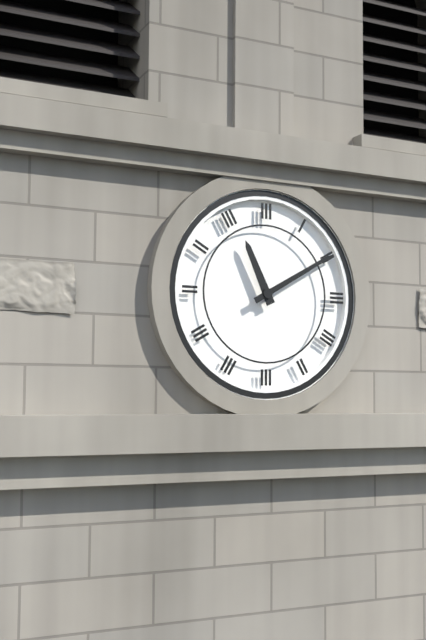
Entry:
11.10
